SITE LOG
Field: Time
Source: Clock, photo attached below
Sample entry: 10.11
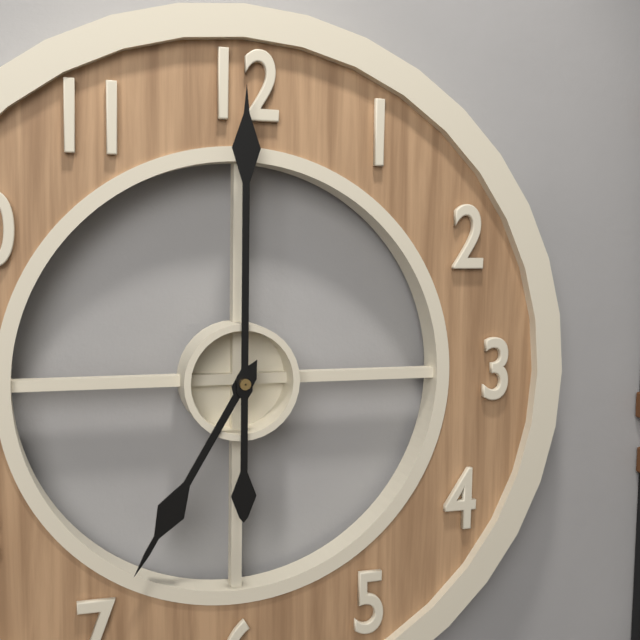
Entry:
7.00
